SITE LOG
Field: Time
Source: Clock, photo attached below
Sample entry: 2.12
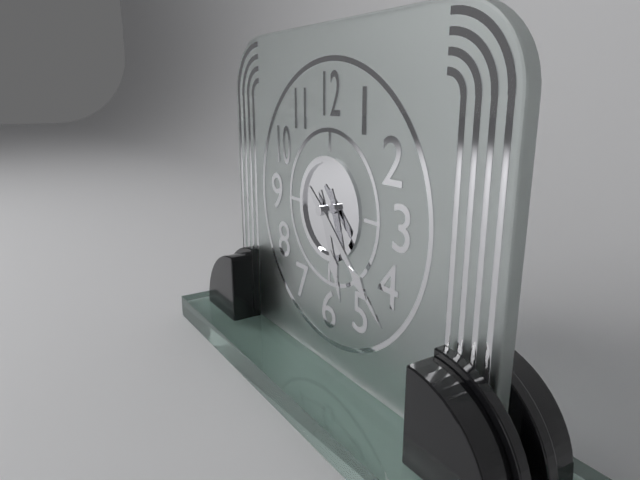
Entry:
5.22
